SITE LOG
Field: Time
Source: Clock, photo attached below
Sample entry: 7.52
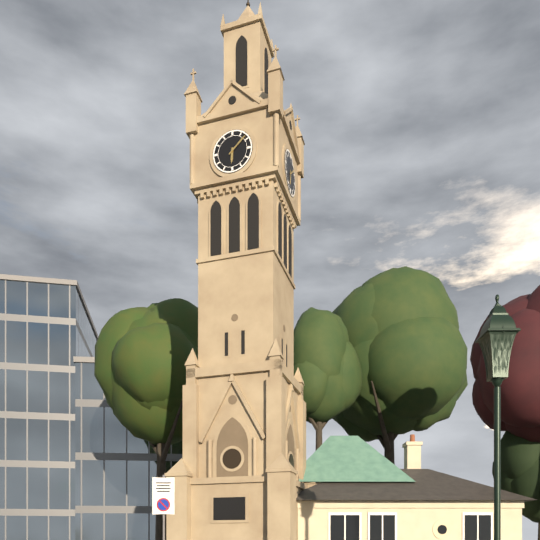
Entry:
6.08
